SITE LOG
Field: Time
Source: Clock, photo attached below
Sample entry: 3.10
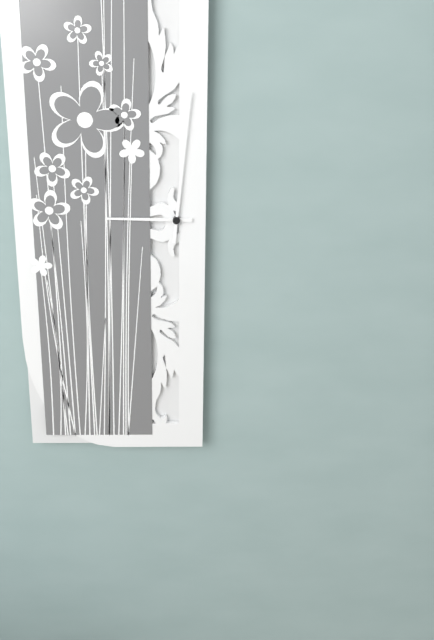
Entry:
9.01
